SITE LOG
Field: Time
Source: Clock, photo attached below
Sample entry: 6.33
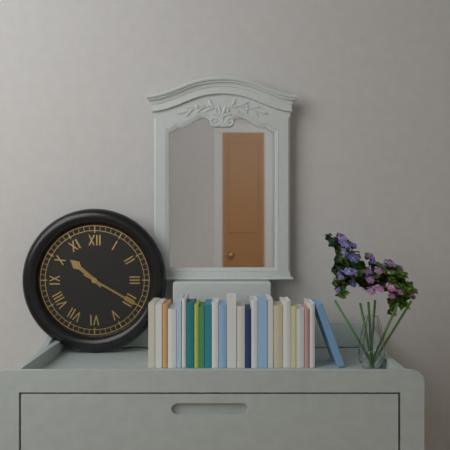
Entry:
10.20
